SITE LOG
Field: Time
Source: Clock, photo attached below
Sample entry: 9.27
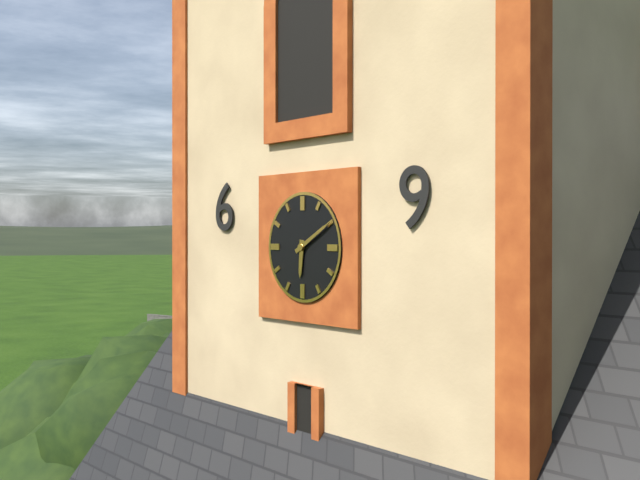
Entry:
6.10
